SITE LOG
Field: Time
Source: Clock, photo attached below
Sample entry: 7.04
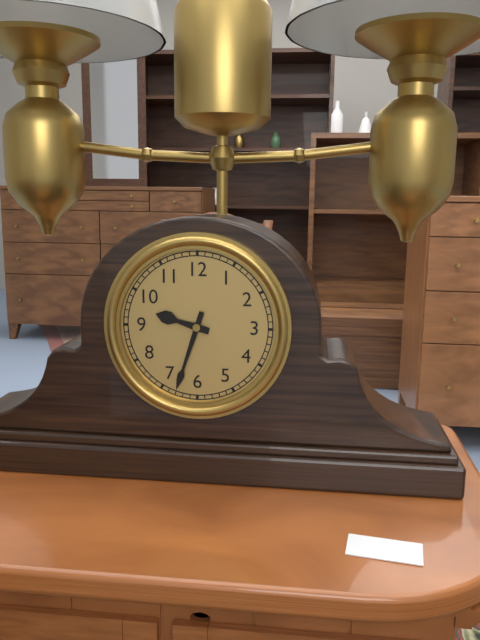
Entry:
9.33
